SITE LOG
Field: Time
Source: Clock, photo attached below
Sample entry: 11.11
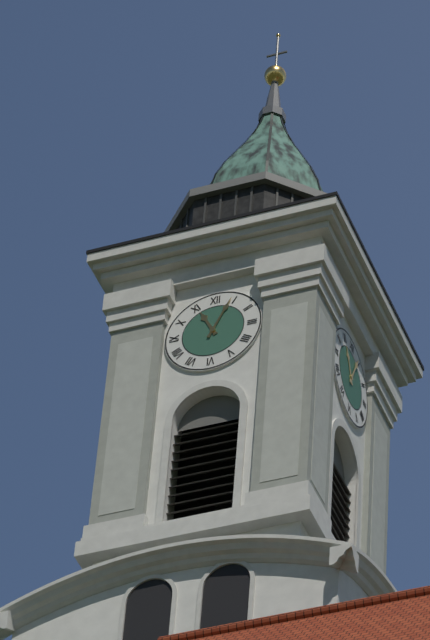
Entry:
11.04
